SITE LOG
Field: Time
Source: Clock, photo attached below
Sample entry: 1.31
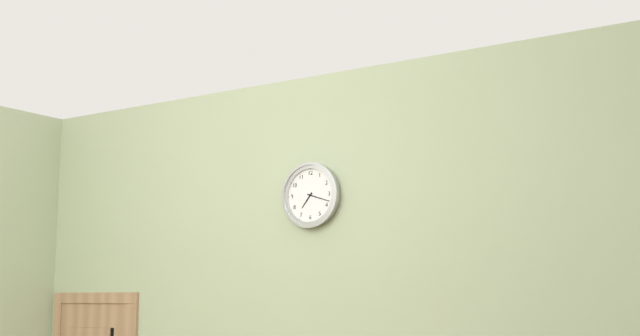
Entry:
7.18
